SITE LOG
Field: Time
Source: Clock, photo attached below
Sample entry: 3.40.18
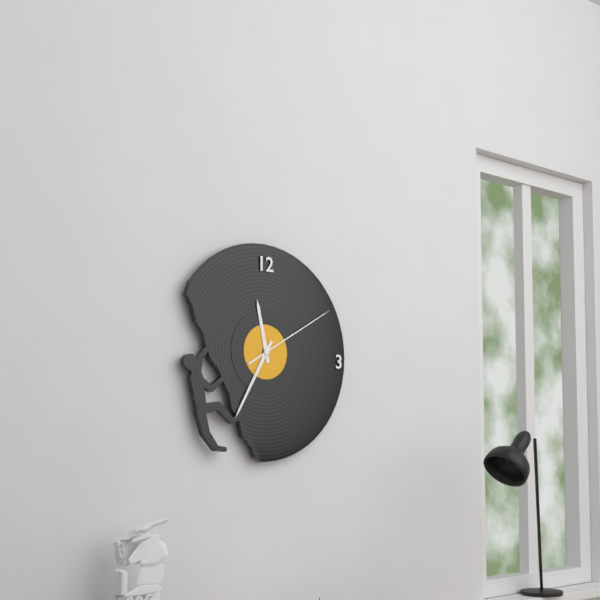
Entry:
11.35.10
